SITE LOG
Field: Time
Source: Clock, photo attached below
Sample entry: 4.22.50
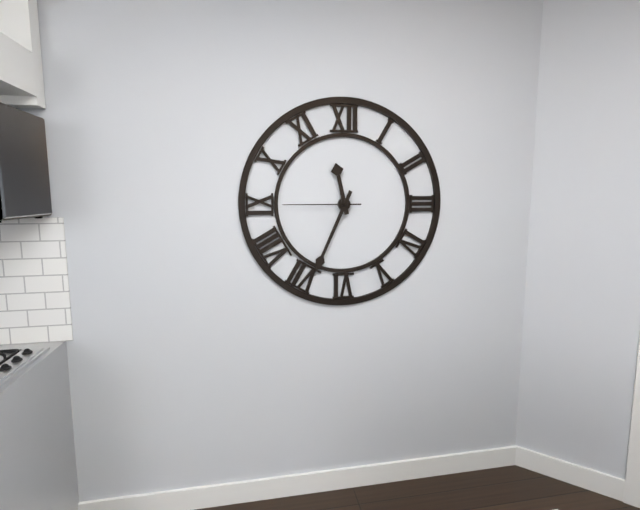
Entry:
11.34.45
